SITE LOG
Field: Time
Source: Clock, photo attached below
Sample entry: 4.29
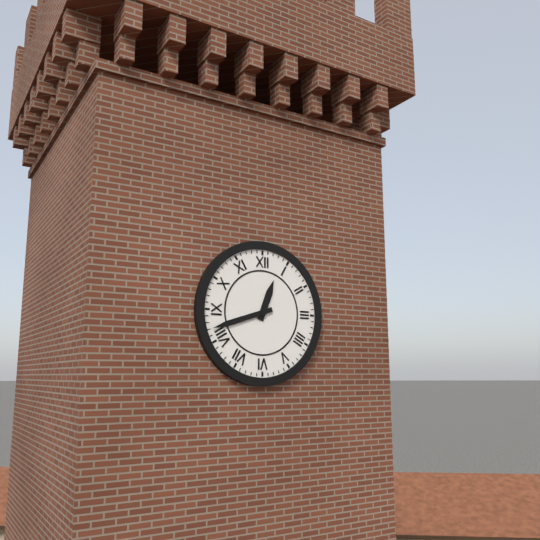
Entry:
12.42
